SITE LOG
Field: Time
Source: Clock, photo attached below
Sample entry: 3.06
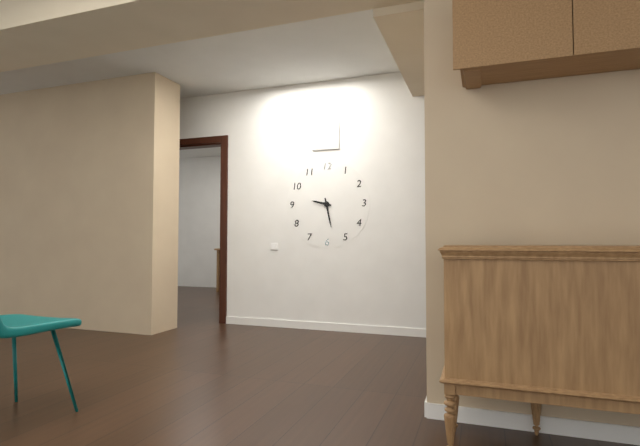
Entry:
9.28
